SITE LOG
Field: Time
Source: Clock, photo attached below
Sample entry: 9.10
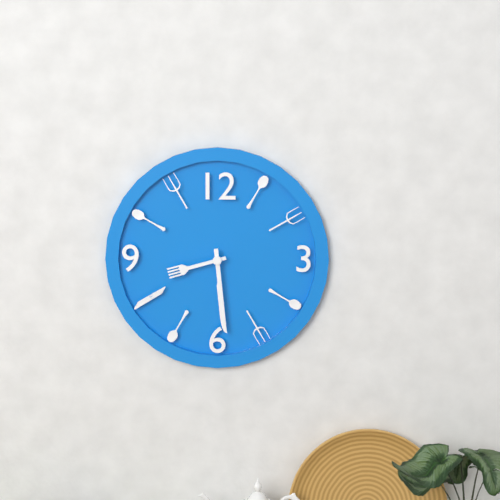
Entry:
8.29
